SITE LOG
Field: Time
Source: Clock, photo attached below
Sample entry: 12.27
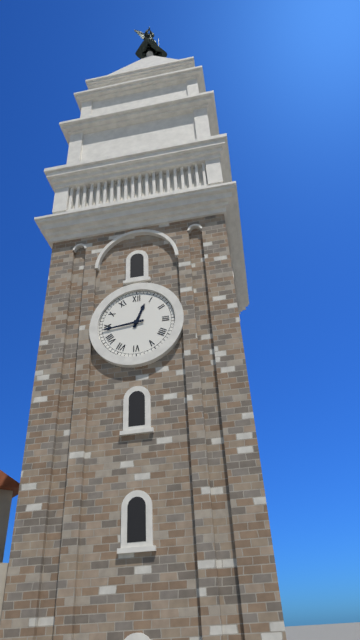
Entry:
12.44
